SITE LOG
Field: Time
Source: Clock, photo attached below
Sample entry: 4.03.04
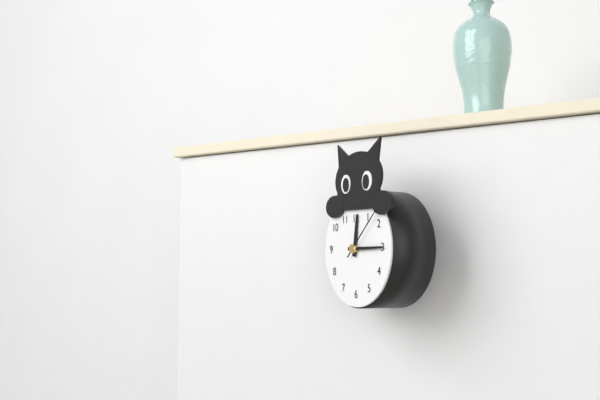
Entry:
12.15.08
